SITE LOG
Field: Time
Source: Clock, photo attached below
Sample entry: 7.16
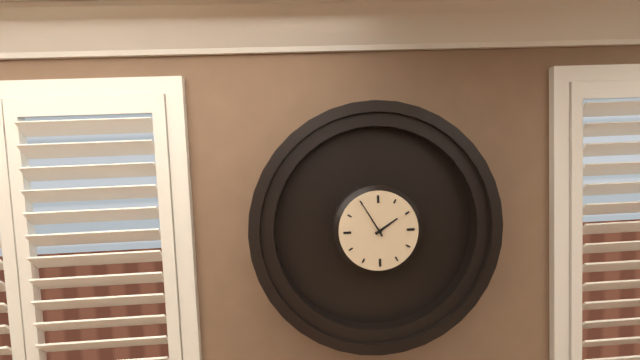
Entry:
1.55
